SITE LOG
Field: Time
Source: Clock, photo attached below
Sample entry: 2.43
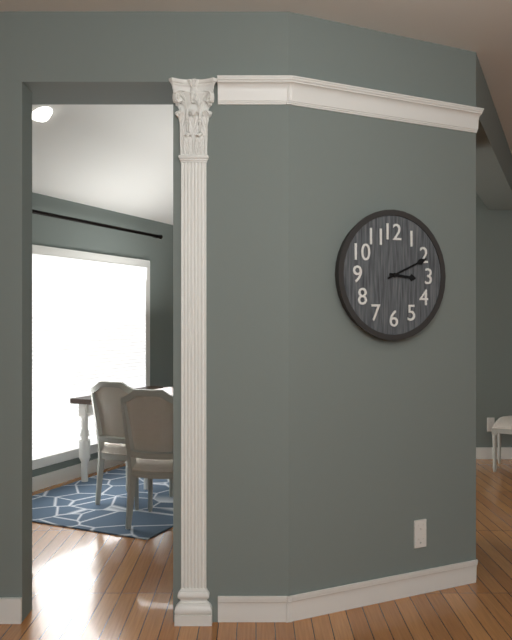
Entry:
3.11
